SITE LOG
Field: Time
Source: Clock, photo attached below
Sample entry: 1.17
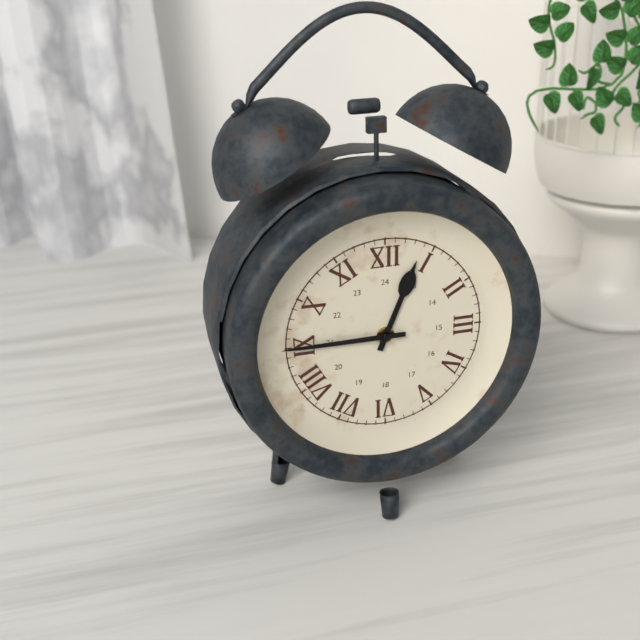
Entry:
12.45
